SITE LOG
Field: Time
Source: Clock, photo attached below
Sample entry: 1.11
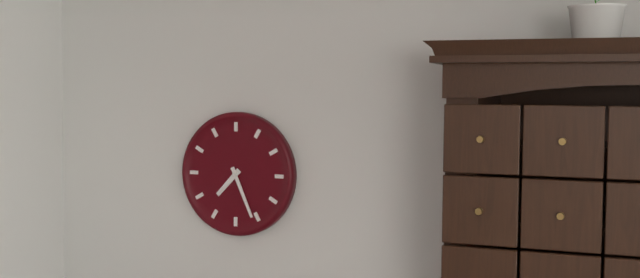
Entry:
7.26
